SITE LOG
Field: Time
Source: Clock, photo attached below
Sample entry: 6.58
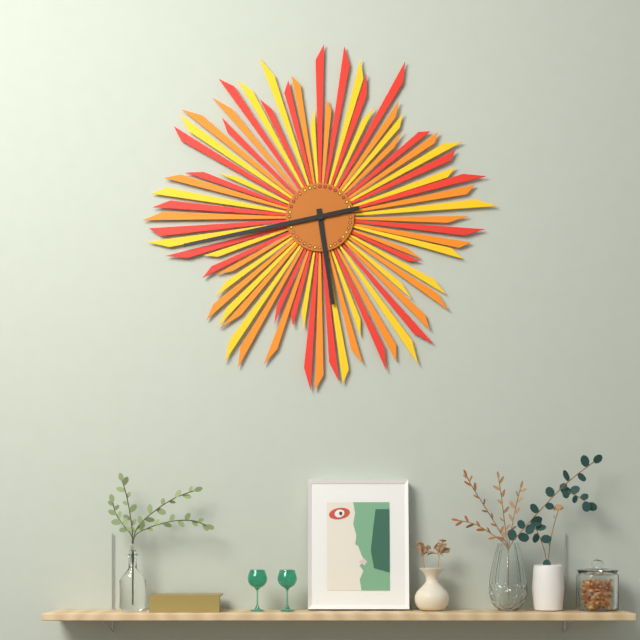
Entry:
5.43
